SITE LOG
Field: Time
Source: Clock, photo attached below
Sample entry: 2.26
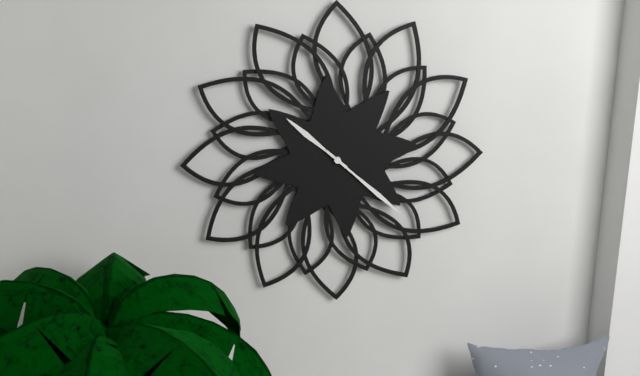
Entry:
10.22
